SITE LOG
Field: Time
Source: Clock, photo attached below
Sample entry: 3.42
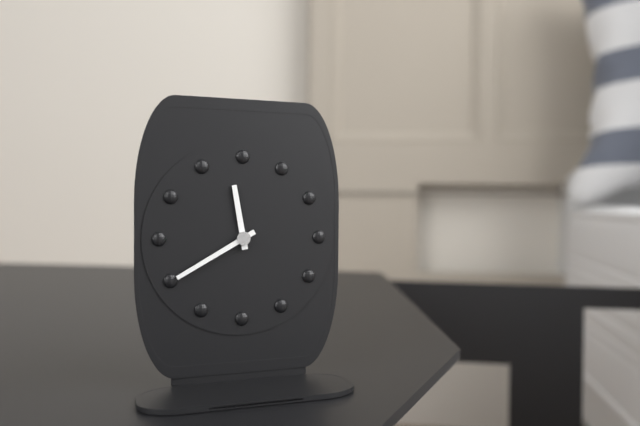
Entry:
11.40
